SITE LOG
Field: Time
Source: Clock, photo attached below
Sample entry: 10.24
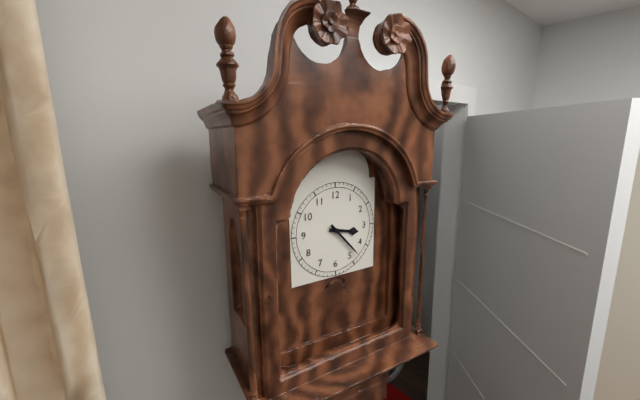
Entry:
3.23
